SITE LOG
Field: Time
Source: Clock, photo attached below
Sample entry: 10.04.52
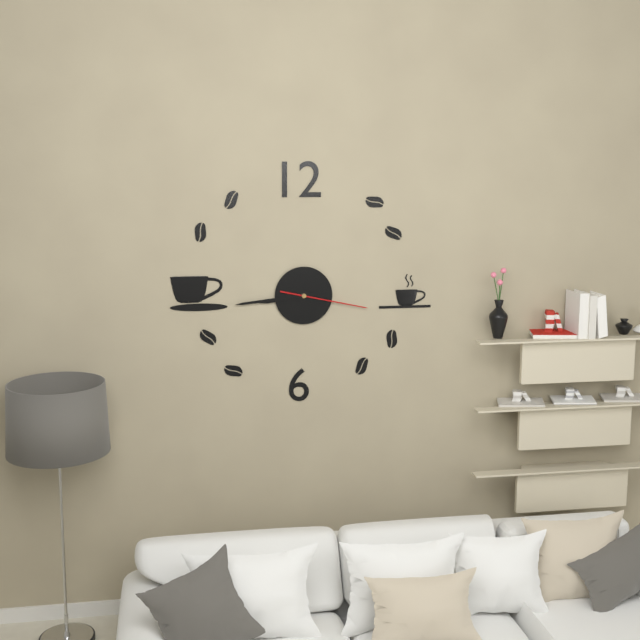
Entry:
8.44.17
